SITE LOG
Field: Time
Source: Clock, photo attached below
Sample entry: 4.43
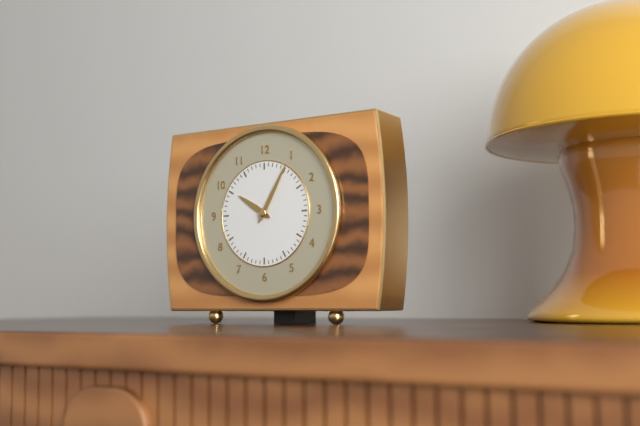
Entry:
10.05
